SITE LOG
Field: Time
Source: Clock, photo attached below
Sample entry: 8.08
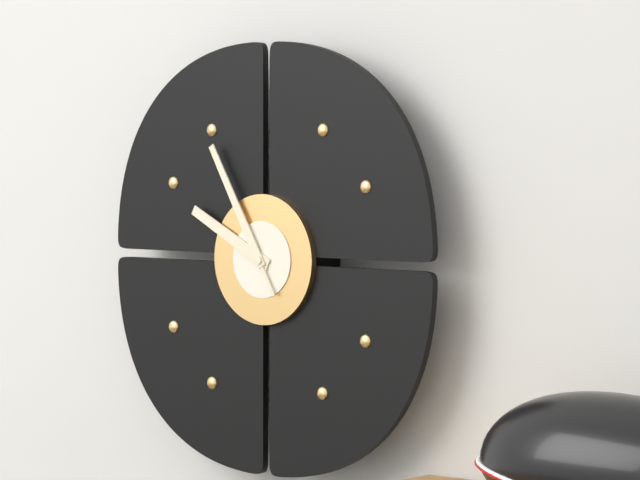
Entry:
9.55
